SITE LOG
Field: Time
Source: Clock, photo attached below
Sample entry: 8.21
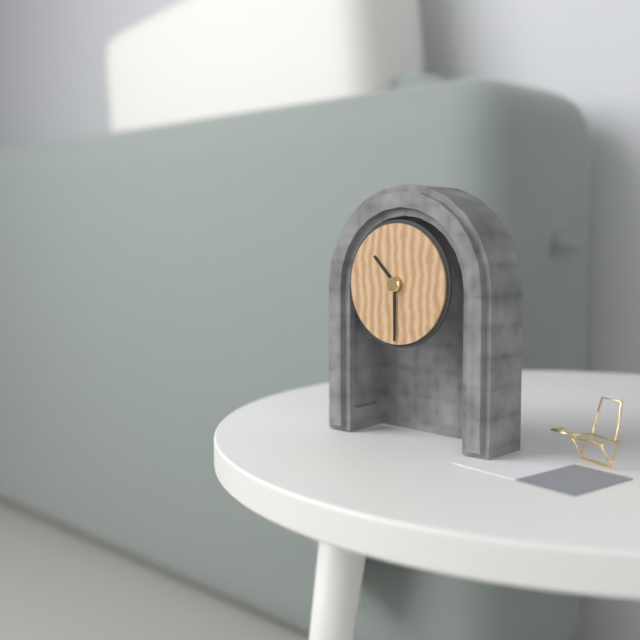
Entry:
10.30
